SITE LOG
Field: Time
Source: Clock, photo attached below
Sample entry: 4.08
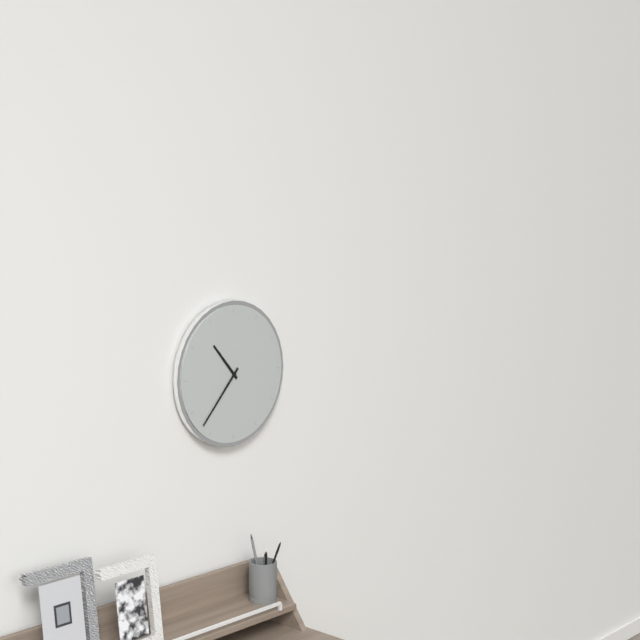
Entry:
10.37
